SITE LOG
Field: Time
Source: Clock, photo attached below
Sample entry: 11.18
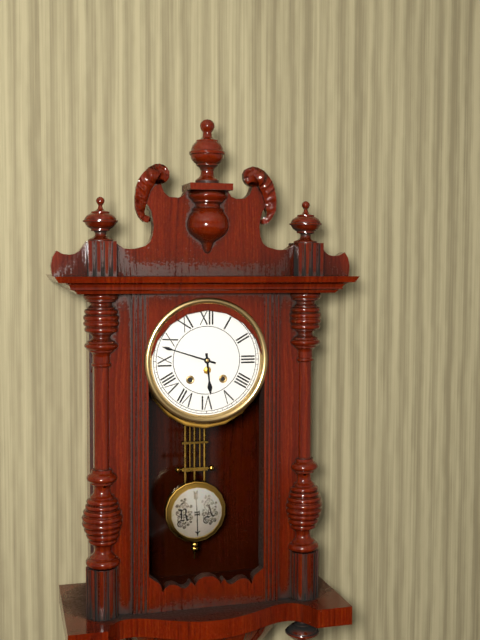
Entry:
5.48
